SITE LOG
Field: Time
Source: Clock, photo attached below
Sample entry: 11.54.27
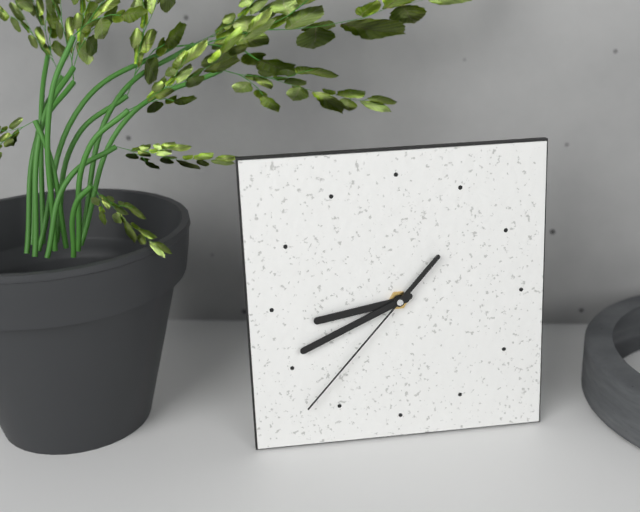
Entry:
8.41.37
